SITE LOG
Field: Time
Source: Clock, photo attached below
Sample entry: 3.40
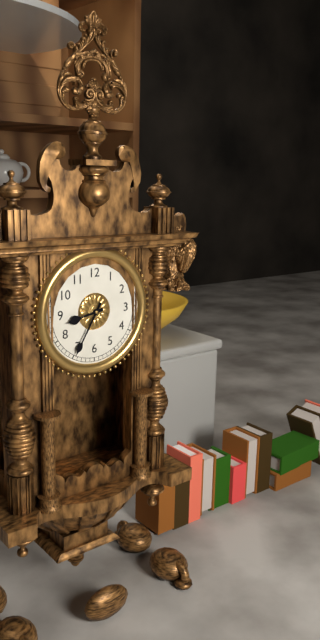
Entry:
8.35
